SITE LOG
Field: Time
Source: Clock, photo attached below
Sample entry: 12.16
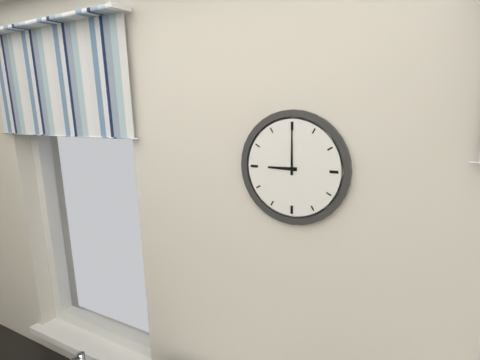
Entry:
9.00
